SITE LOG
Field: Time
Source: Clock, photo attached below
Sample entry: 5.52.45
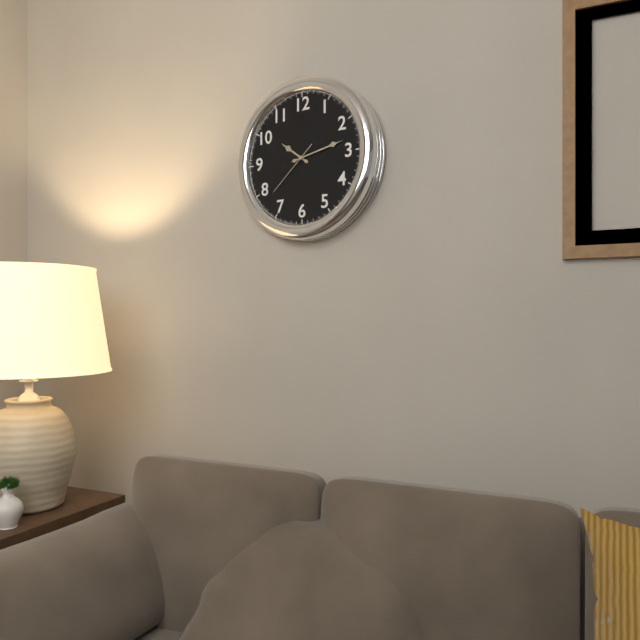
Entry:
10.13.38
